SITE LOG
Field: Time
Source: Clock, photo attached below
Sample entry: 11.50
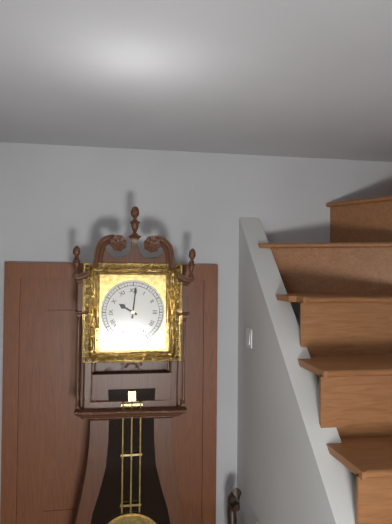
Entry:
10.01
